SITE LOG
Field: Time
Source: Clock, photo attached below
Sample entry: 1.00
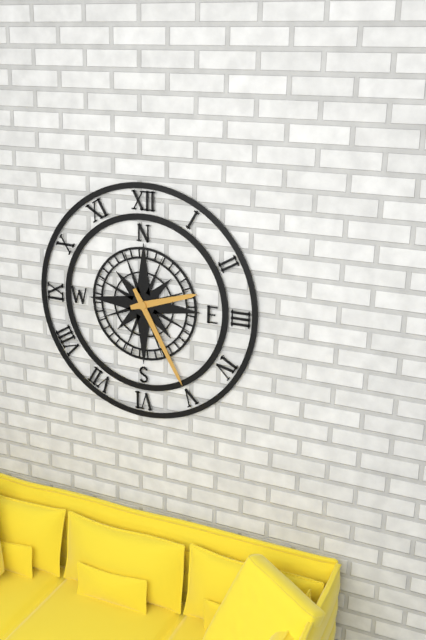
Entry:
2.25
